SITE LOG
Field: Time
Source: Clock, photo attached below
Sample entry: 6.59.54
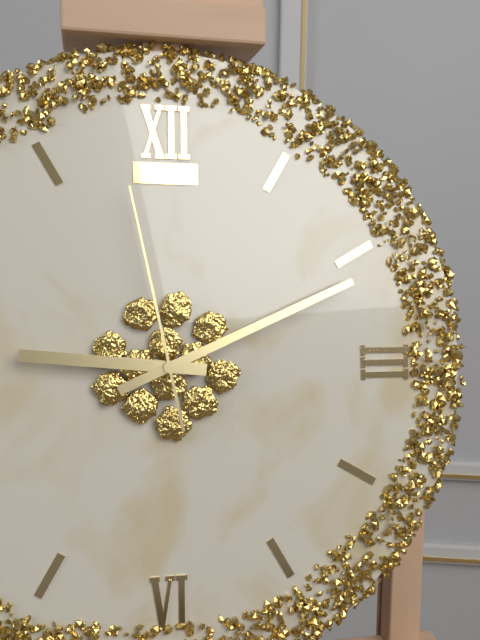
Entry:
9.11.58
